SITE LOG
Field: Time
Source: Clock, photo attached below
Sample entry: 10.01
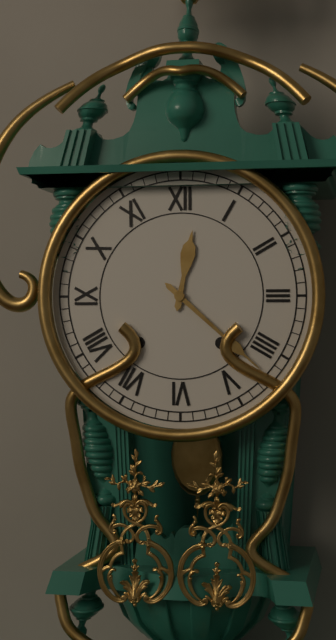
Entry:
12.22
